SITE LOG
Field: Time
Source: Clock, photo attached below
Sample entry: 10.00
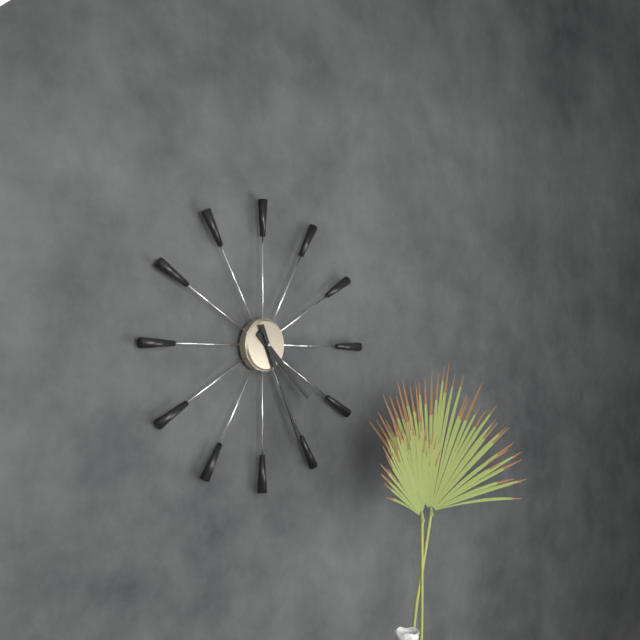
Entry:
4.26
